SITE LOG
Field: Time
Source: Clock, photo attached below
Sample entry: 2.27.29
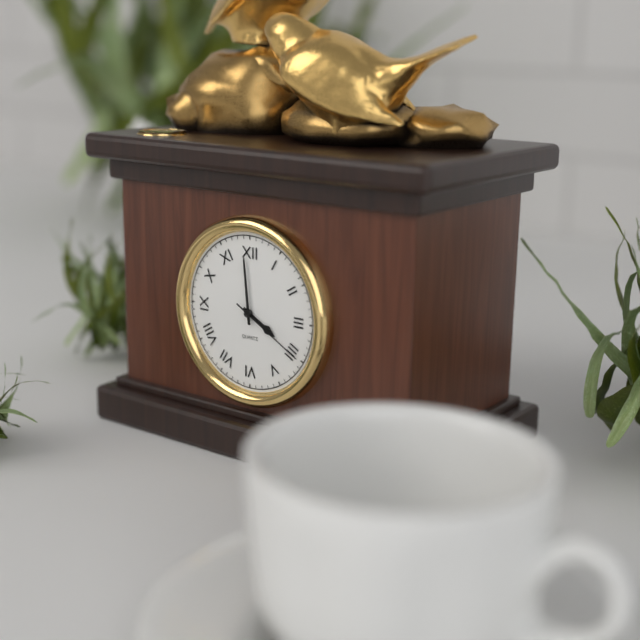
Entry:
3.59.20
